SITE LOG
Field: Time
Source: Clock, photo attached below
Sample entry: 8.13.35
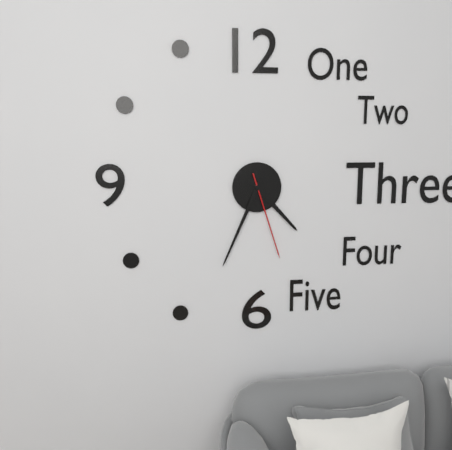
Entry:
4.34.27
